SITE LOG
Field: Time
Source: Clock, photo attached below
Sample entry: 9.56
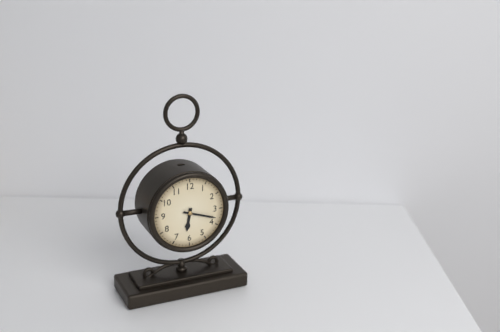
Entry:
6.18
